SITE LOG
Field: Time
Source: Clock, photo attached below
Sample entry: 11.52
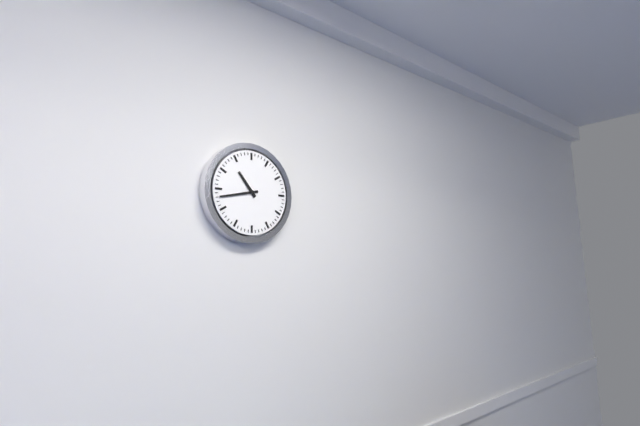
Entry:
10.43
